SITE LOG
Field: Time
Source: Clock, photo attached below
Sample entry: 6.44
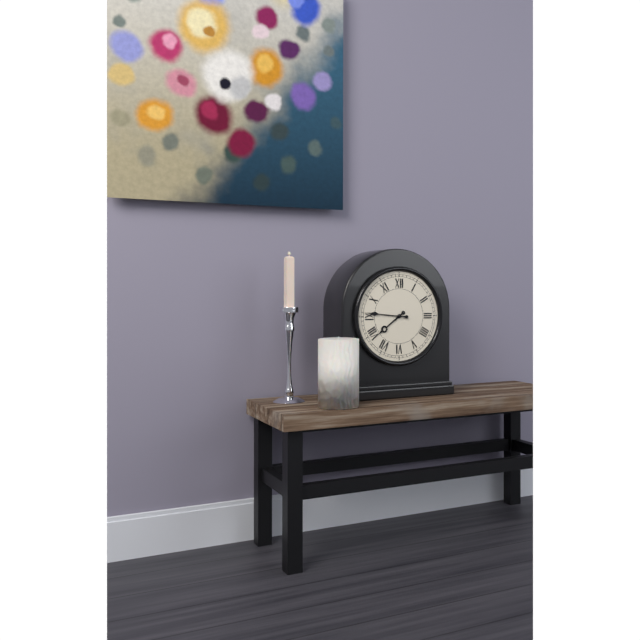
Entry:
7.46
